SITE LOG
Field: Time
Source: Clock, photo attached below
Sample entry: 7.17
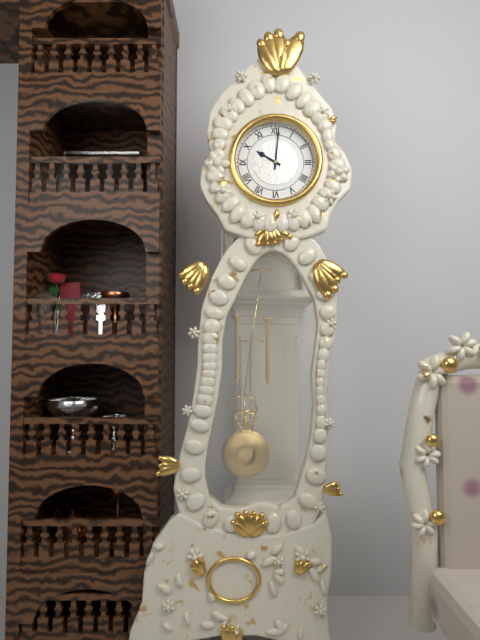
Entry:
10.01
